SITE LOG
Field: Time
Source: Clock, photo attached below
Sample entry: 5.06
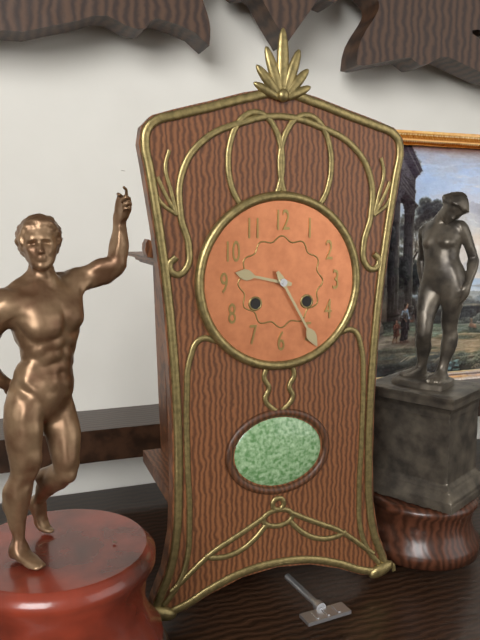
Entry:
9.25
